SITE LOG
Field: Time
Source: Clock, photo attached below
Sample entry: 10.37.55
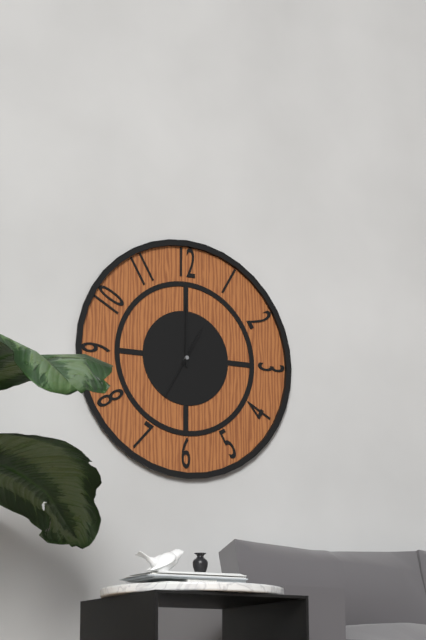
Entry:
1.00.35
